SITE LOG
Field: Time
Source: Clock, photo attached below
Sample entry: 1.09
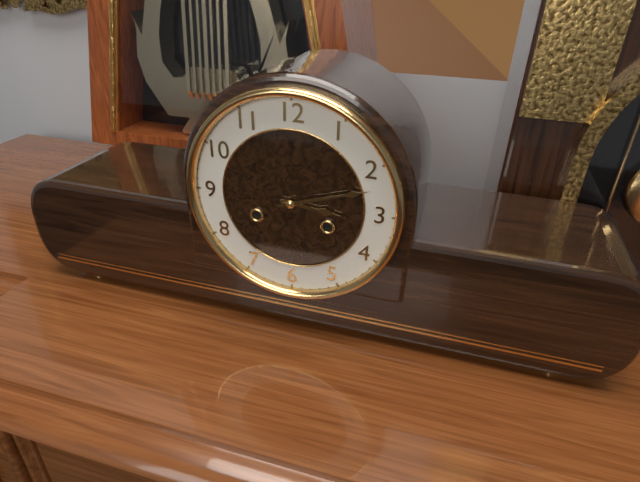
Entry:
3.12
